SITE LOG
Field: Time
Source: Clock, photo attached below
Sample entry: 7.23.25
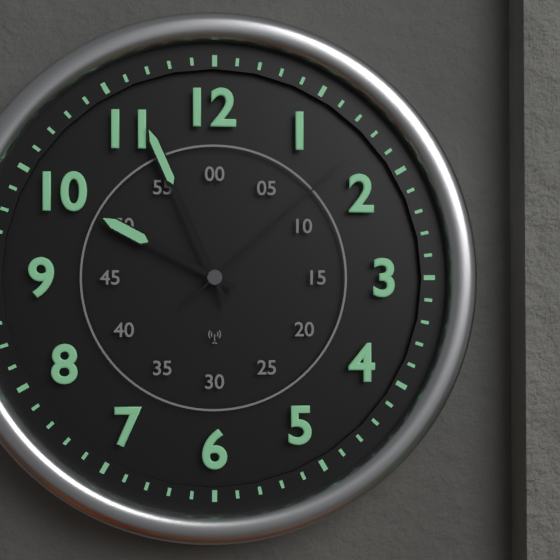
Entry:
9.56.08
